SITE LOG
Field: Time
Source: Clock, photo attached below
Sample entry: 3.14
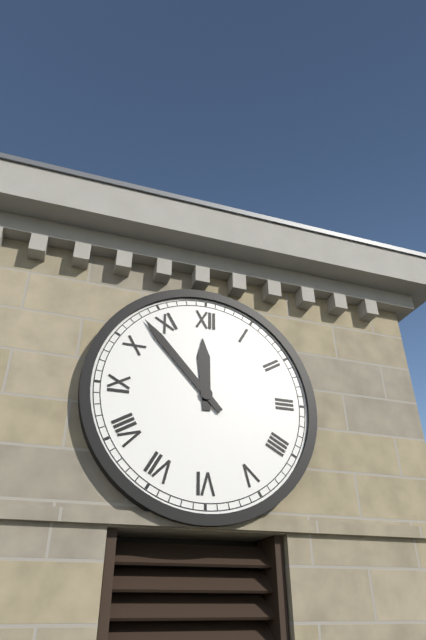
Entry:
11.53
